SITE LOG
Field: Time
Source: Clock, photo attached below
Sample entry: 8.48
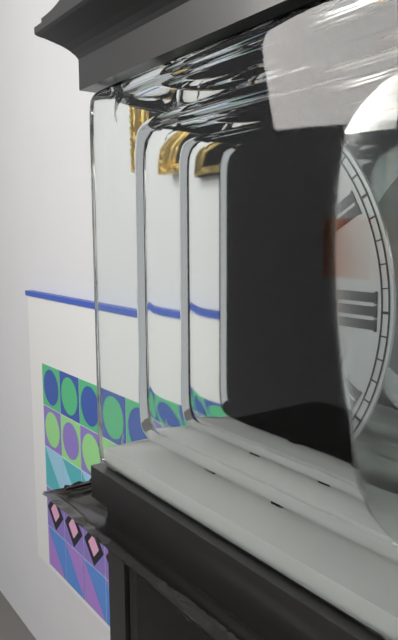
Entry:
6.50
